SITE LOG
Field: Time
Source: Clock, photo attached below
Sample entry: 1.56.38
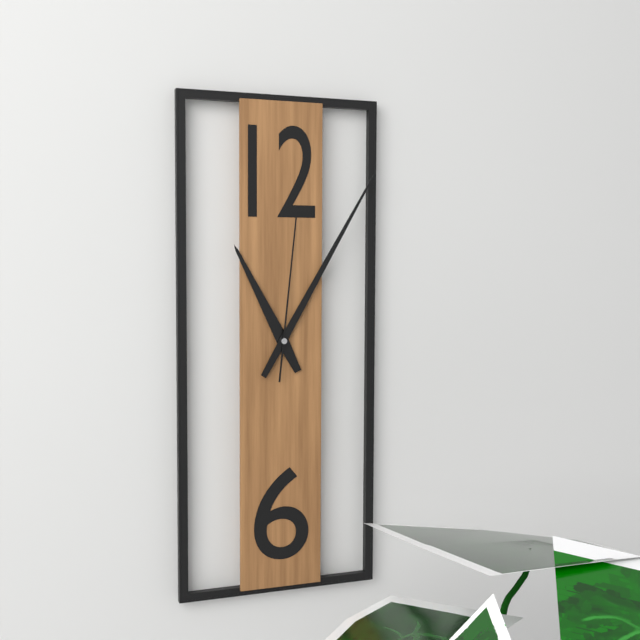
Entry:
11.05.01
